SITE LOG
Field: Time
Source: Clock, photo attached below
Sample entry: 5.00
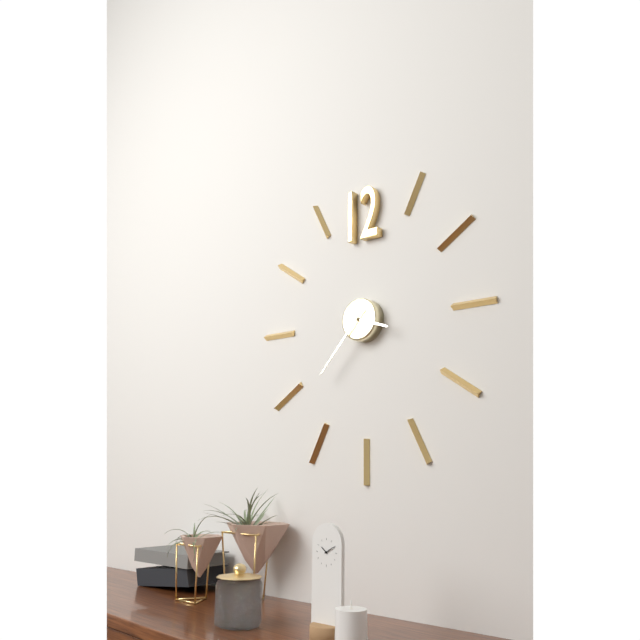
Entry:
3.37
